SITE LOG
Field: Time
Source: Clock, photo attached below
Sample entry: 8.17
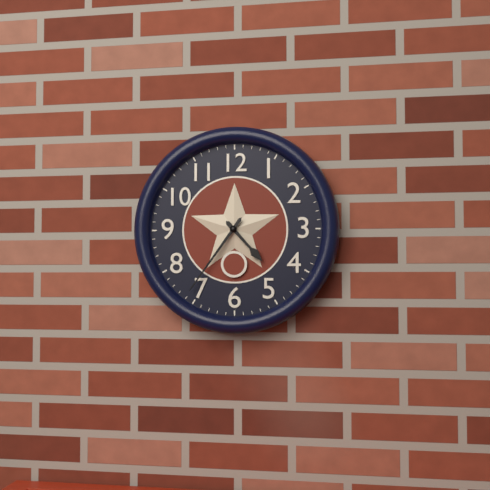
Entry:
4.36
